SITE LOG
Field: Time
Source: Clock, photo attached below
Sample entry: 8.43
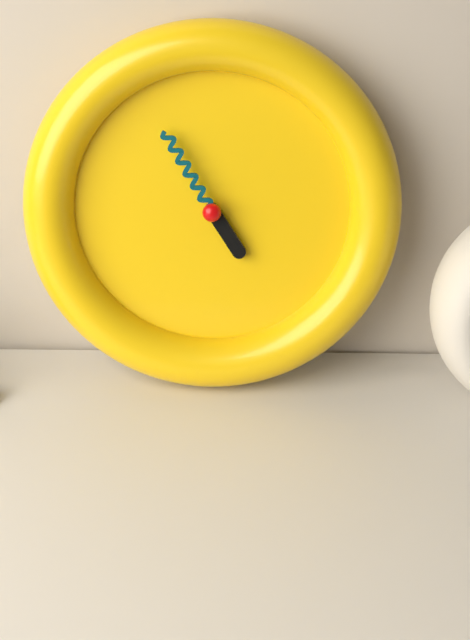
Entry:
4.55
